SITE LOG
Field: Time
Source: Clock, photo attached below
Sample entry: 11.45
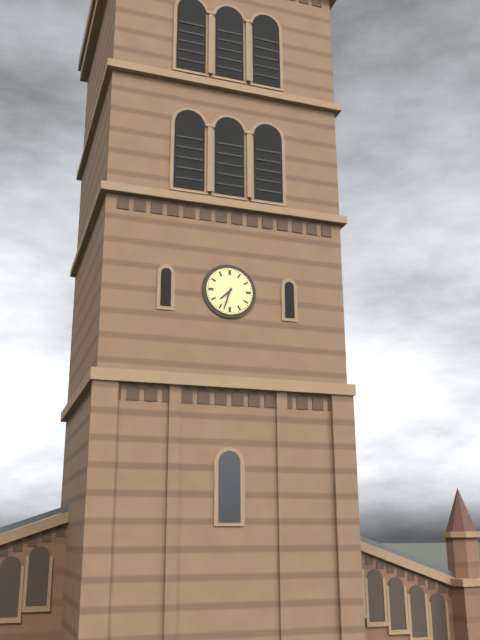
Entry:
7.33
